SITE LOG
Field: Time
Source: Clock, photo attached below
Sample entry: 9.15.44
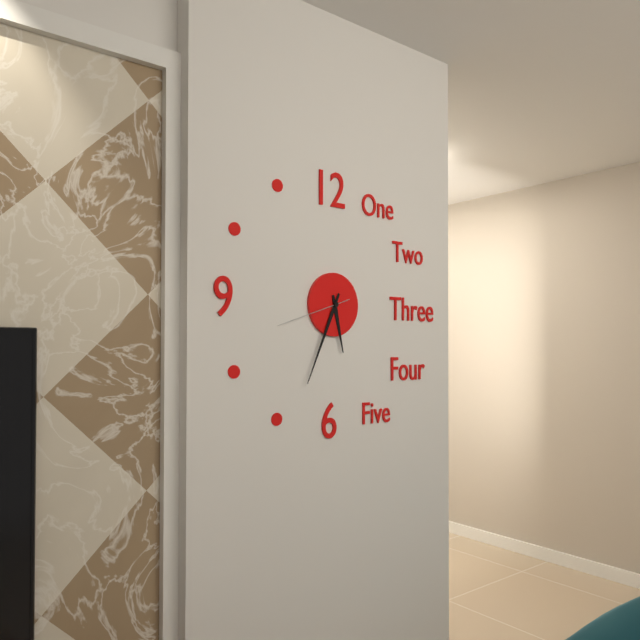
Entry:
5.34.42
